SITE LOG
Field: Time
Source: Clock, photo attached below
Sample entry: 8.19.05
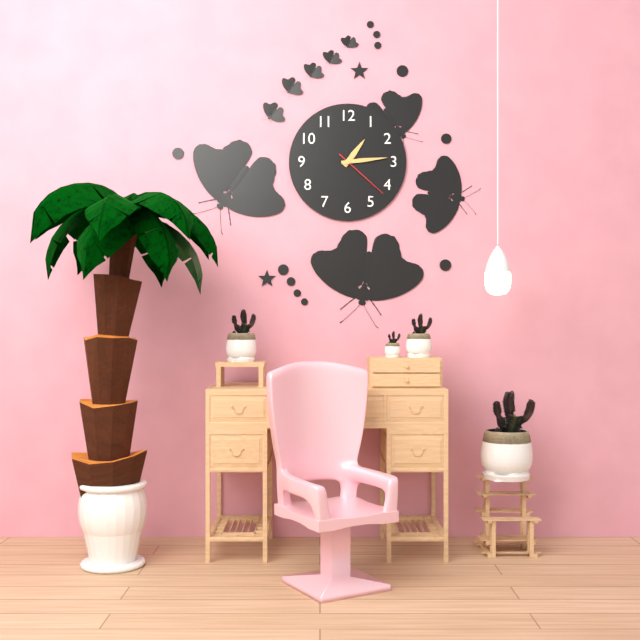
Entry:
1.14.22
